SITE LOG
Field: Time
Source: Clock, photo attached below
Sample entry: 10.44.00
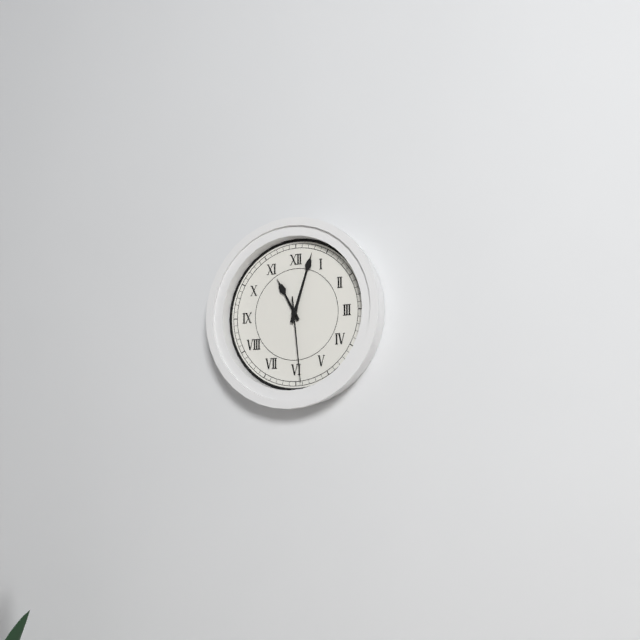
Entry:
11.03.29
